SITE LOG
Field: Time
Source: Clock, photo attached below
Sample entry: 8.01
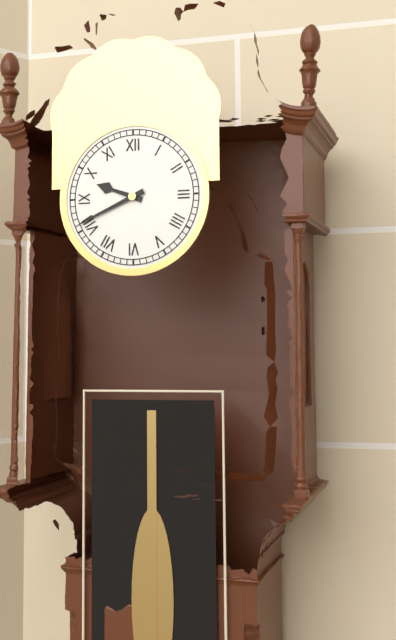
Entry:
9.41
